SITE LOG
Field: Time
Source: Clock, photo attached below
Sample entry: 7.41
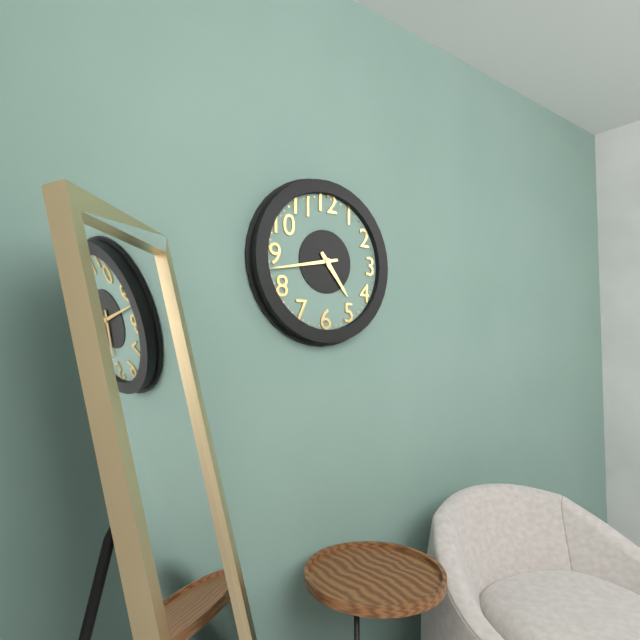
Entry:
4.43
